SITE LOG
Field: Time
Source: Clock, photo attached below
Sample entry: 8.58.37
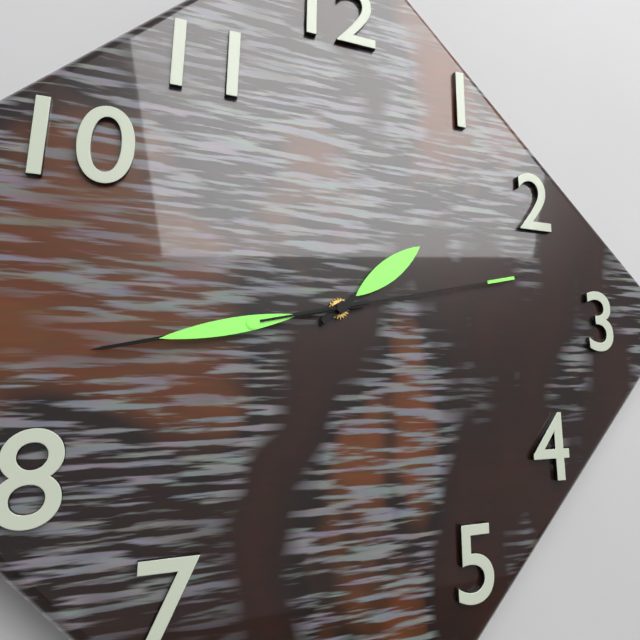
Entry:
1.43.13
